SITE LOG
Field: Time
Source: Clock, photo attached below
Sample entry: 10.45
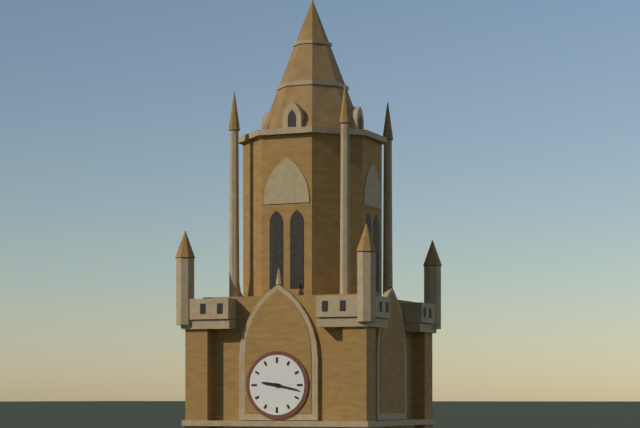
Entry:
9.17
